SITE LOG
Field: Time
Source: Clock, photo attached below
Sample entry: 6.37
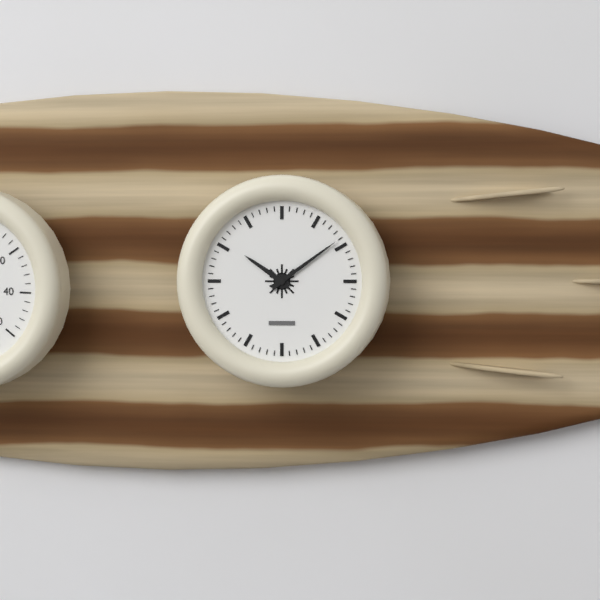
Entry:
10.09
